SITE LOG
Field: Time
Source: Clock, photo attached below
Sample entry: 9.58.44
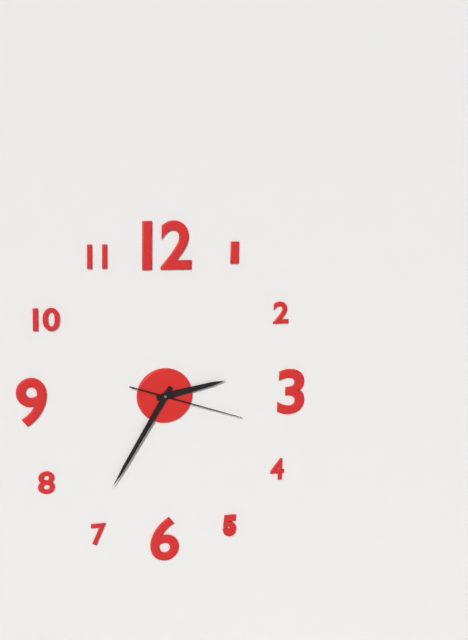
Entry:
2.35.18
